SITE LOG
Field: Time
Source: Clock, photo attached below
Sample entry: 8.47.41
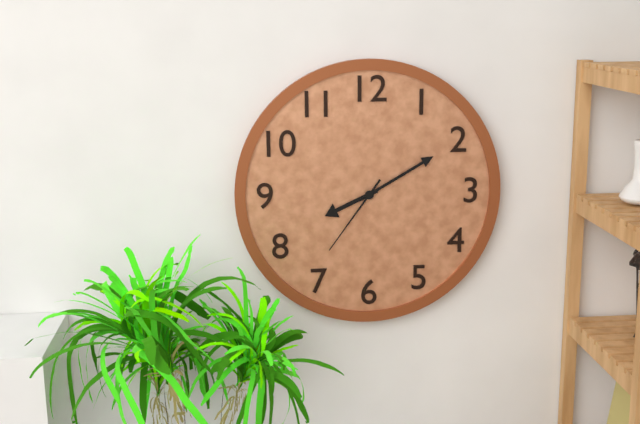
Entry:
8.10.36
